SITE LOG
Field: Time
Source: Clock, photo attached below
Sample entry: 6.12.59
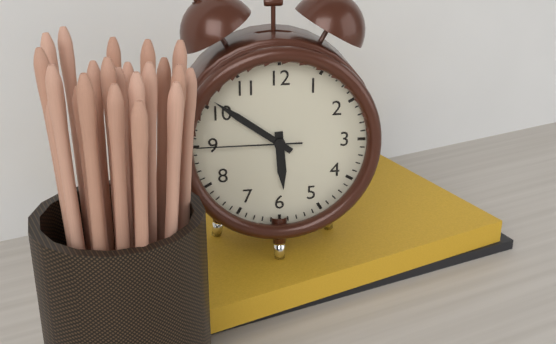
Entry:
5.51.45
